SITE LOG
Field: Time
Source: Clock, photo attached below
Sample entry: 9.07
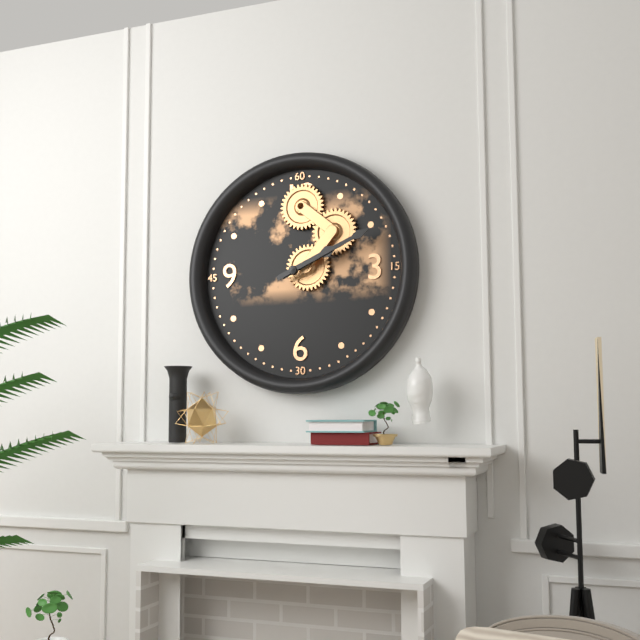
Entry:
2.11
